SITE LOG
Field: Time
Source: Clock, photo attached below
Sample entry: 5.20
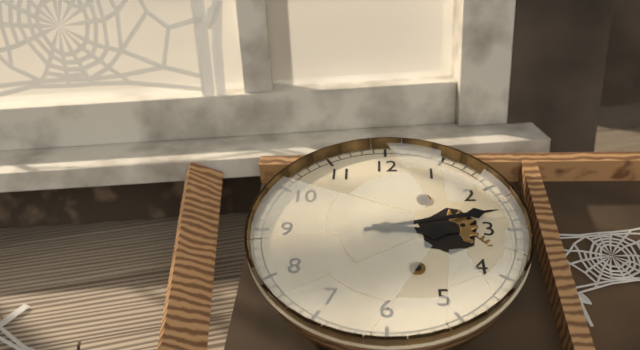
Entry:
3.13
